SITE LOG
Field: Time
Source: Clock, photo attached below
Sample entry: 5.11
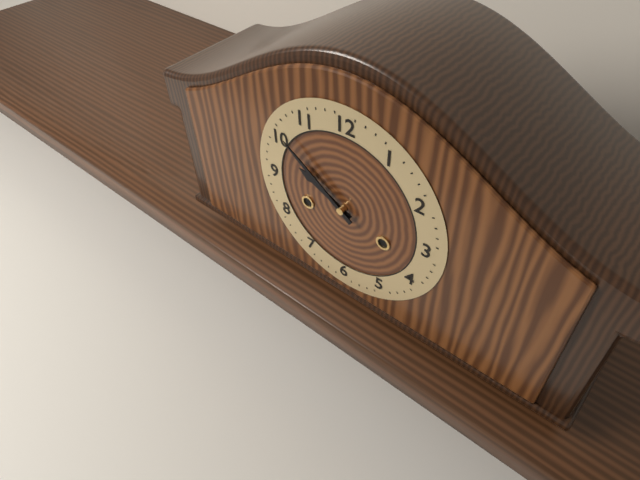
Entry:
9.51
